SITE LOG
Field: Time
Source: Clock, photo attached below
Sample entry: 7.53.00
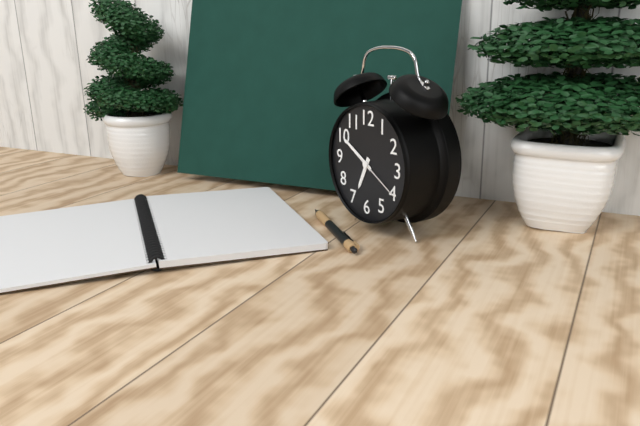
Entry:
6.50.20
